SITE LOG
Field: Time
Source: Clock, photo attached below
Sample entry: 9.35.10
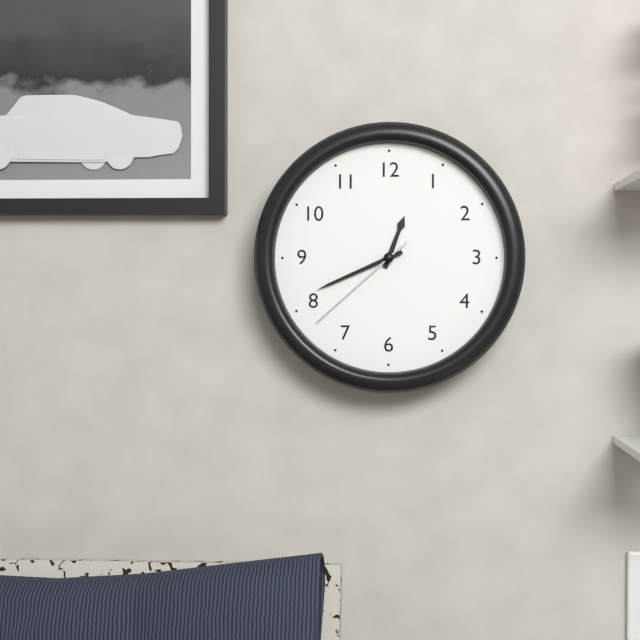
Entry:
12.41.38
